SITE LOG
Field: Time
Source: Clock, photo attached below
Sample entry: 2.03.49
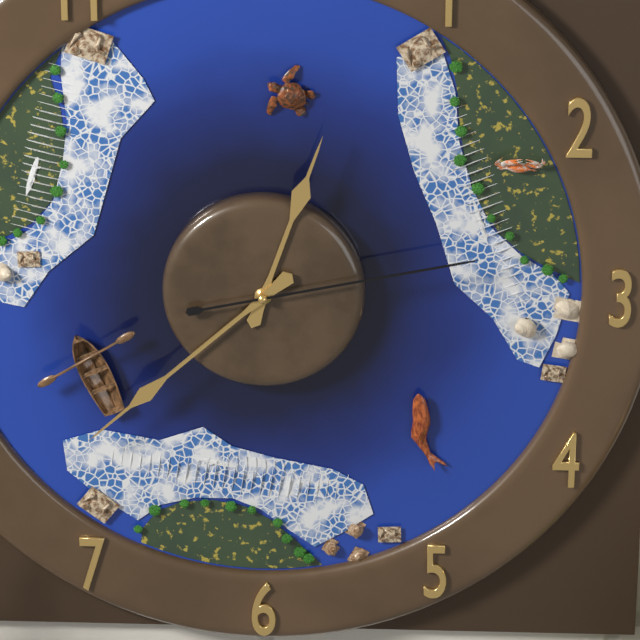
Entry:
12.38.13
